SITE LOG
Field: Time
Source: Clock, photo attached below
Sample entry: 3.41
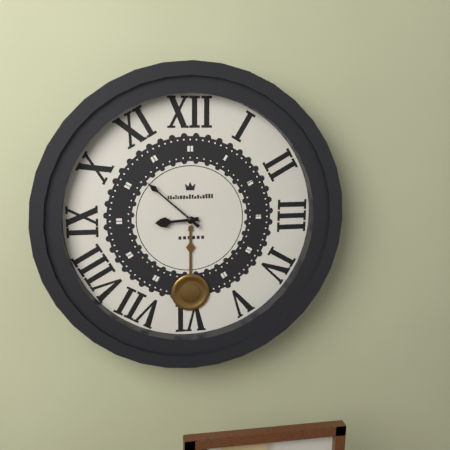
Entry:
8.52
